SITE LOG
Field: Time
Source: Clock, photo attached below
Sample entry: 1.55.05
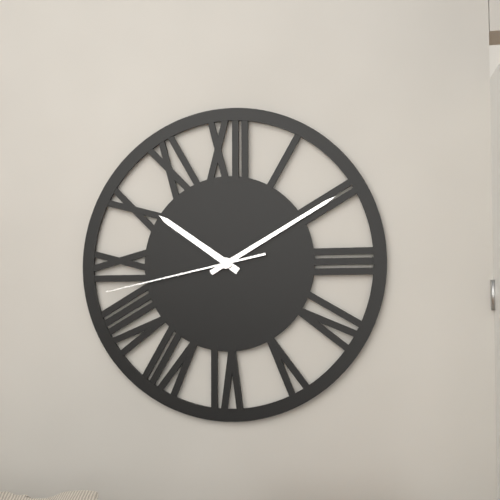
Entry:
10.10.43
